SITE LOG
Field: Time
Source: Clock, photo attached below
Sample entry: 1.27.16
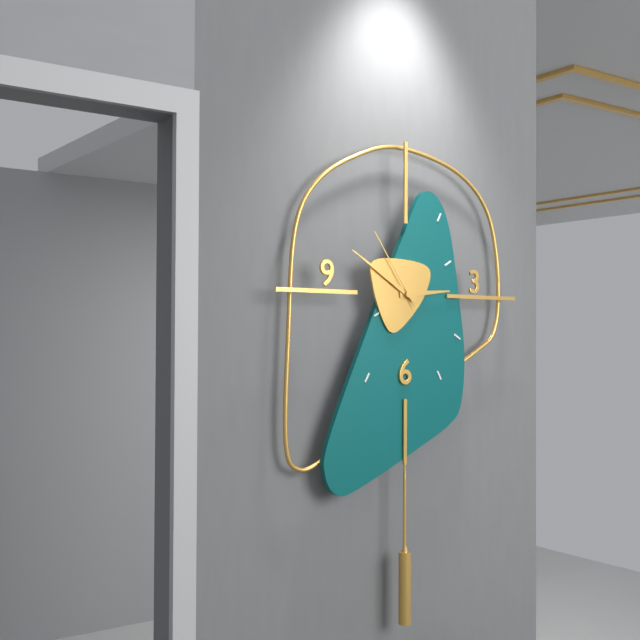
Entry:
2.50.54
